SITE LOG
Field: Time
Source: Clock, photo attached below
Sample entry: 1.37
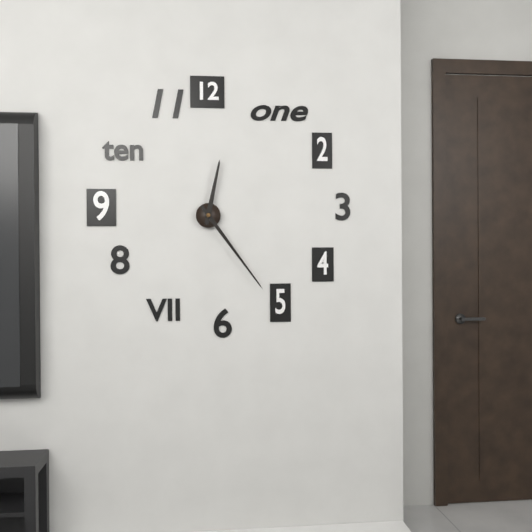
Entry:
12.24
